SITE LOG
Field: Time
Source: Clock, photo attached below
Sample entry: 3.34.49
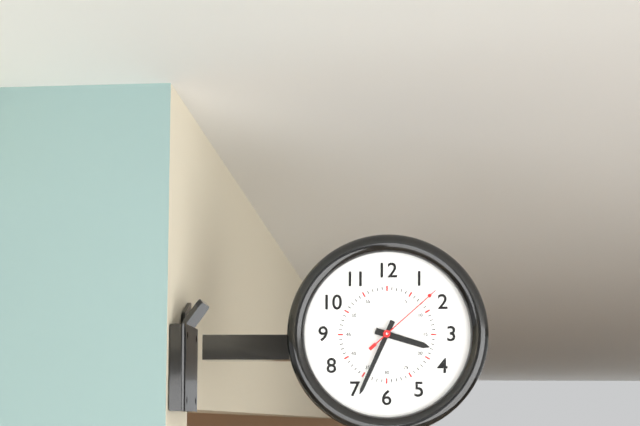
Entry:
3.34.08
